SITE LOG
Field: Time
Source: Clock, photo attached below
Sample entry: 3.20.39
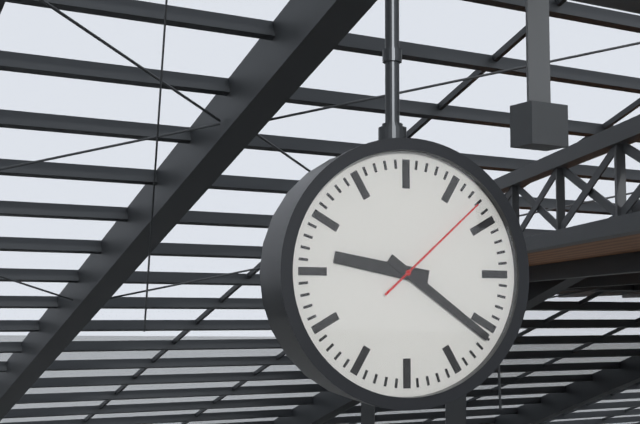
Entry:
9.21.08
